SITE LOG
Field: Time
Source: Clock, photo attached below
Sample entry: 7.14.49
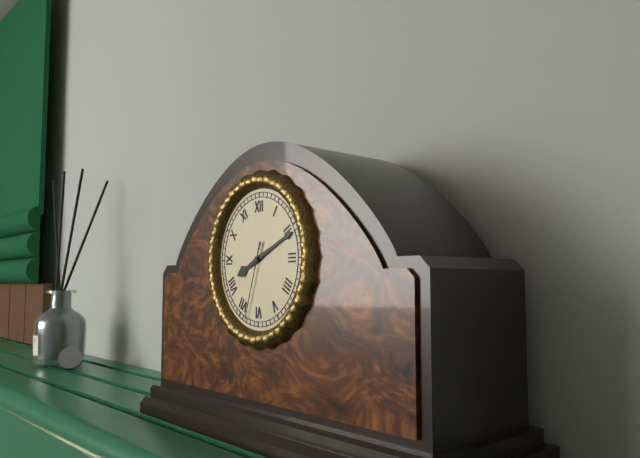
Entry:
8.11.33
